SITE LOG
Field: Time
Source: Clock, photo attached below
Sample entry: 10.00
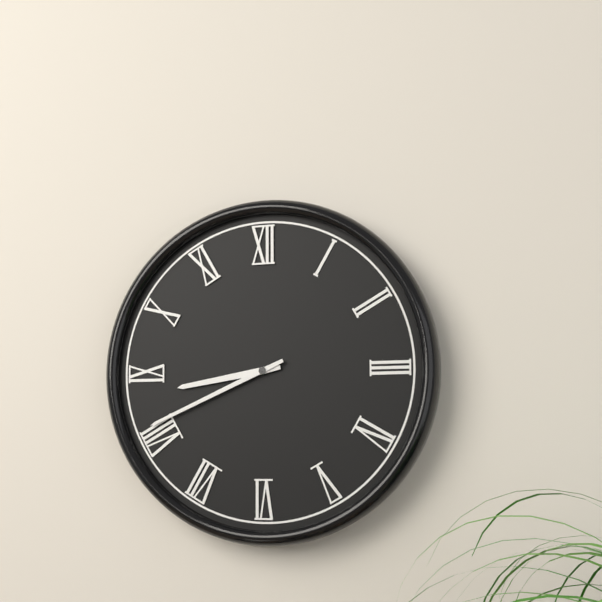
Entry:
8.41
